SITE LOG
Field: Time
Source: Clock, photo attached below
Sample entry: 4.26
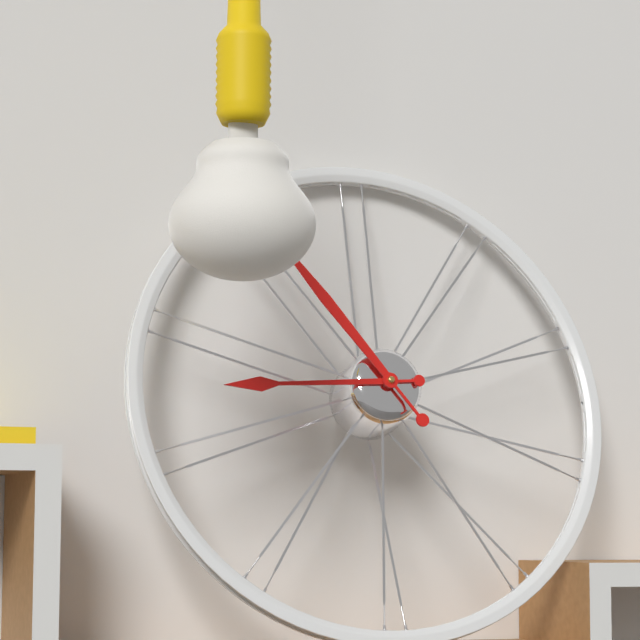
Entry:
8.54
